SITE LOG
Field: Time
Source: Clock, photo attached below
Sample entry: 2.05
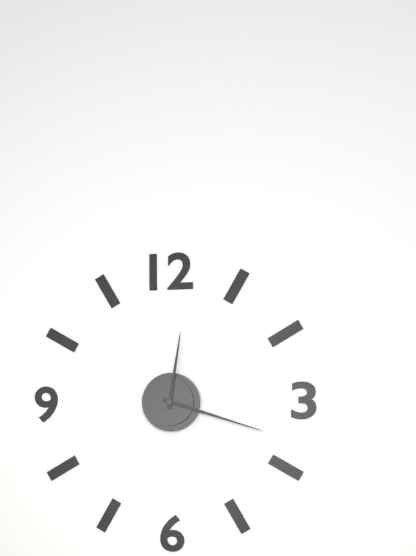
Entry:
12.18
